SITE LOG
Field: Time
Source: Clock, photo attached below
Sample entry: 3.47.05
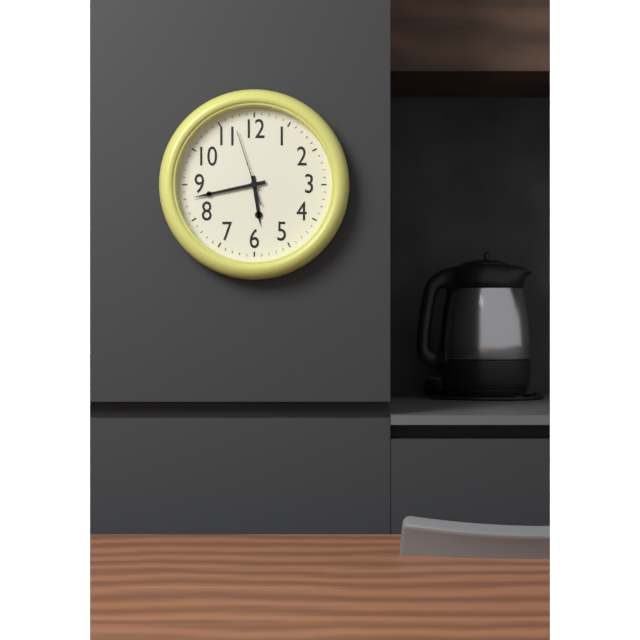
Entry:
5.43.57
